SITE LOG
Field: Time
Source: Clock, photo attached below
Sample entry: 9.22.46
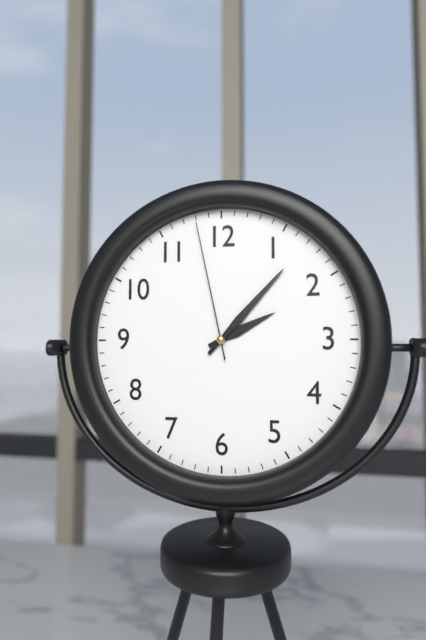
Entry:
2.07.58
